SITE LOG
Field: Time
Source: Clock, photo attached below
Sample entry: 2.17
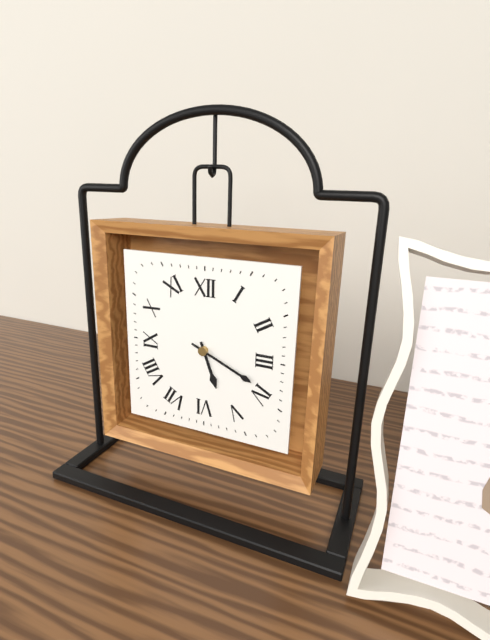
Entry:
5.19
